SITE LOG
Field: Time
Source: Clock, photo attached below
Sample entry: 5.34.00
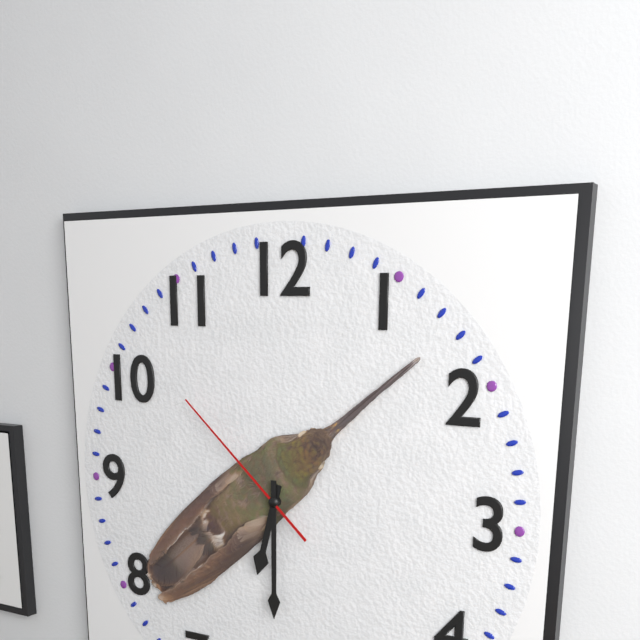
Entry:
6.30.52
